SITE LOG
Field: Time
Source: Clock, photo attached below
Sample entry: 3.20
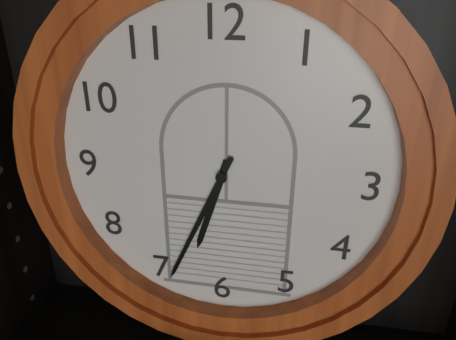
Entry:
6.34
